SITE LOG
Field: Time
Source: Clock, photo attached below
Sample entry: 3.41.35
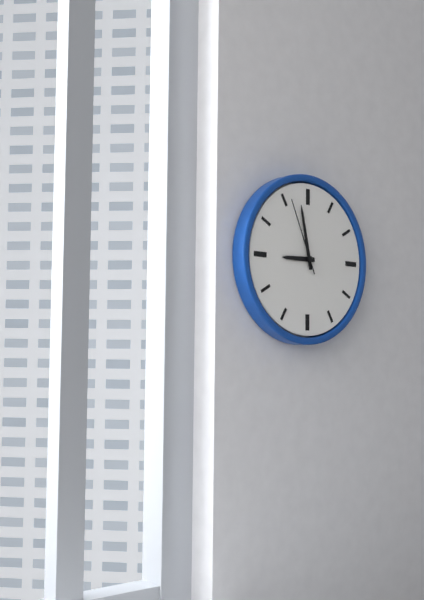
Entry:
8.58.56
